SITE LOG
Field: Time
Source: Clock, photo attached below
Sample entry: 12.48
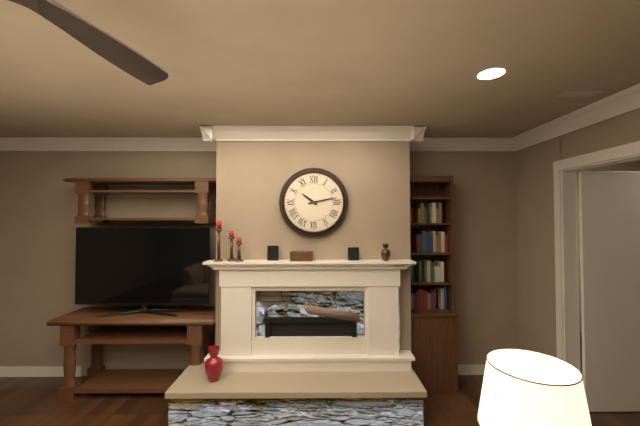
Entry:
10.13
